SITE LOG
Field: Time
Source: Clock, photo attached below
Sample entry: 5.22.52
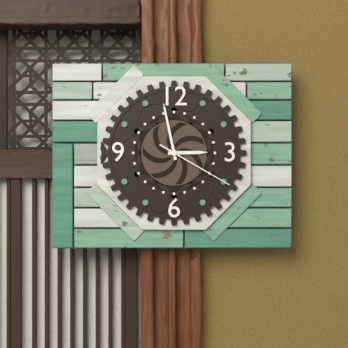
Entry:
2.58.20
